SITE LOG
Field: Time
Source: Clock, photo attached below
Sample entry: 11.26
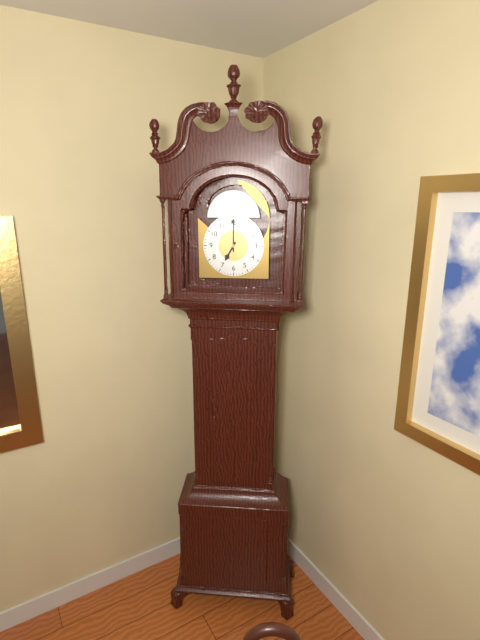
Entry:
7.00
